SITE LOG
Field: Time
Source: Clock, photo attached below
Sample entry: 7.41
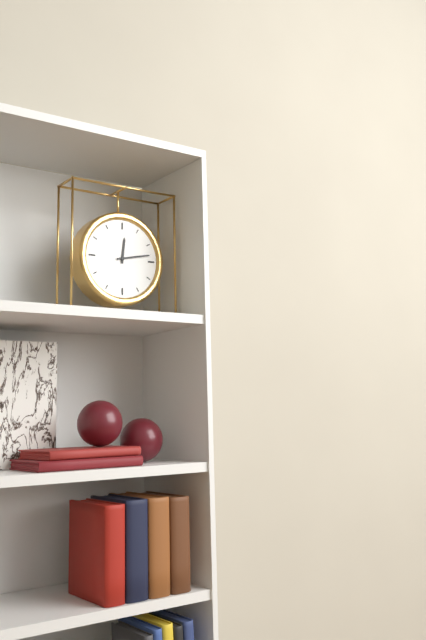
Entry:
12.13
